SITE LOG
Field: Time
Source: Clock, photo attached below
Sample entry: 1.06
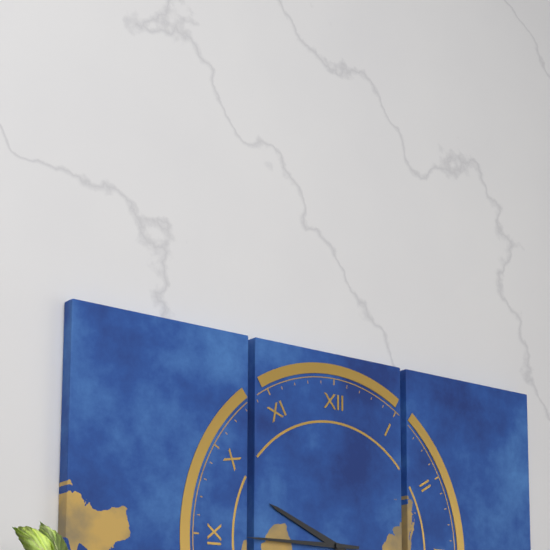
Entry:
9.45
